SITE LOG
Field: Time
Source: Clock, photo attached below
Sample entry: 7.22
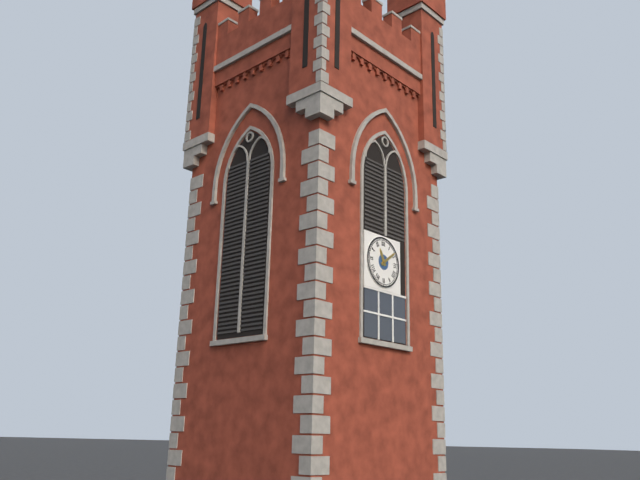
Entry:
11.09
